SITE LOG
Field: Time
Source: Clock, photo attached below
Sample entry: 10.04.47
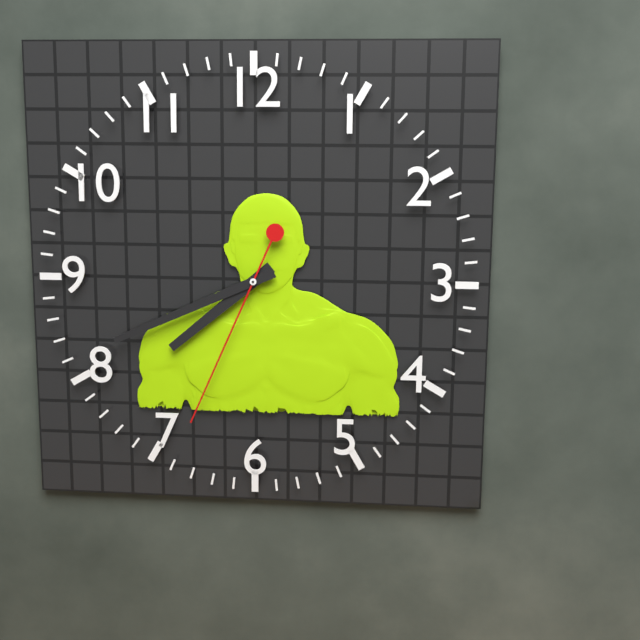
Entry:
7.41.34
